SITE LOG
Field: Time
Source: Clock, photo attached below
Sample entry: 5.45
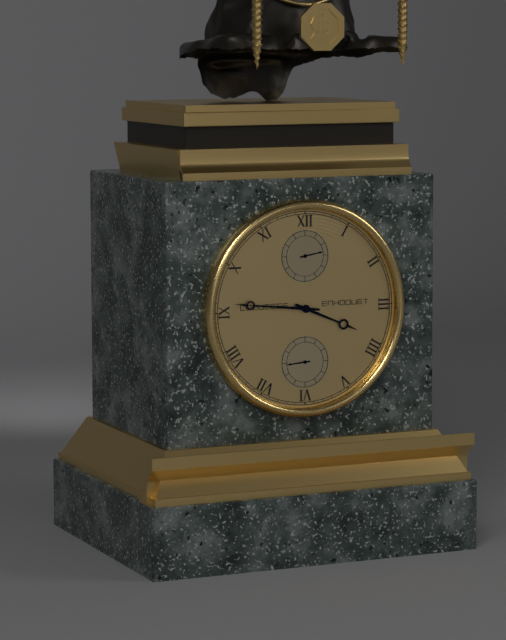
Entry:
3.46
